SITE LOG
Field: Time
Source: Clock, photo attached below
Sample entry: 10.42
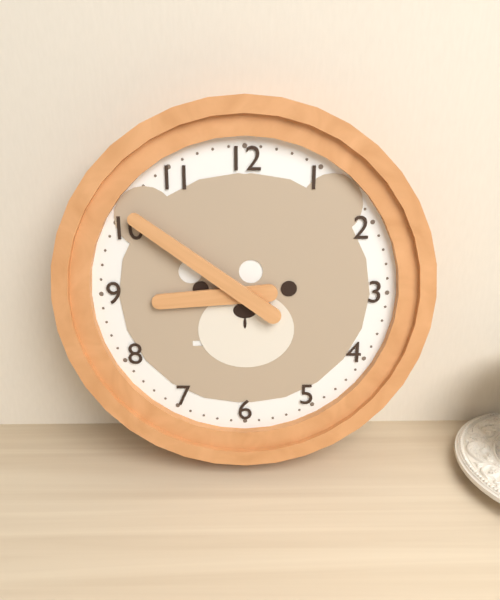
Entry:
8.51
